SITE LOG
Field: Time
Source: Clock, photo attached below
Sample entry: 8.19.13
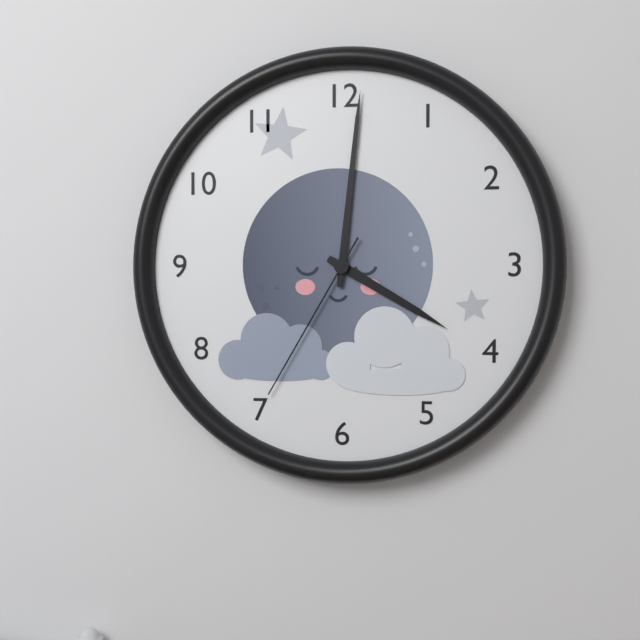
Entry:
4.01.35
